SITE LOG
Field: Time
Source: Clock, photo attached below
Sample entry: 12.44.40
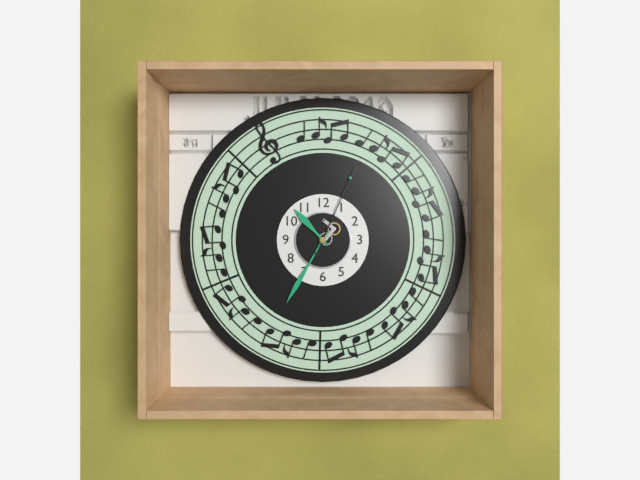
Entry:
10.35.04
